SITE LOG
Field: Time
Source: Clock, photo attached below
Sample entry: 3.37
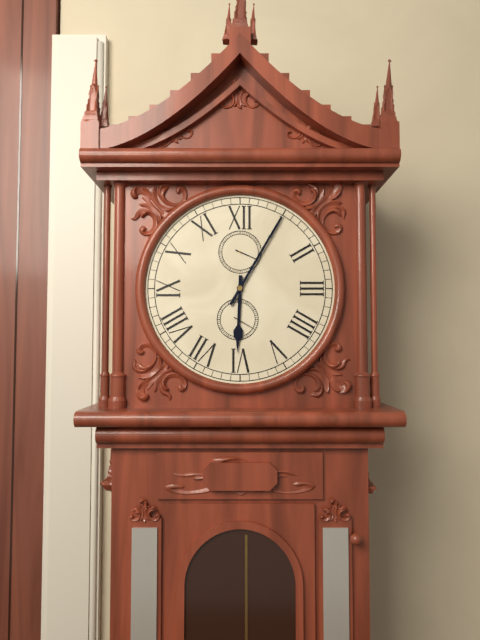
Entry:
6.05
